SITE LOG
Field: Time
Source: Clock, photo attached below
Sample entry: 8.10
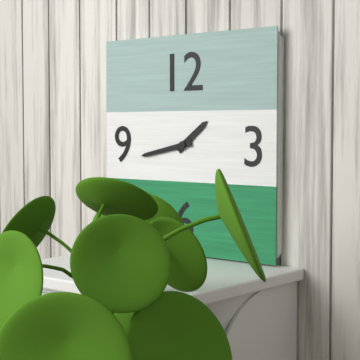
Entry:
1.43
